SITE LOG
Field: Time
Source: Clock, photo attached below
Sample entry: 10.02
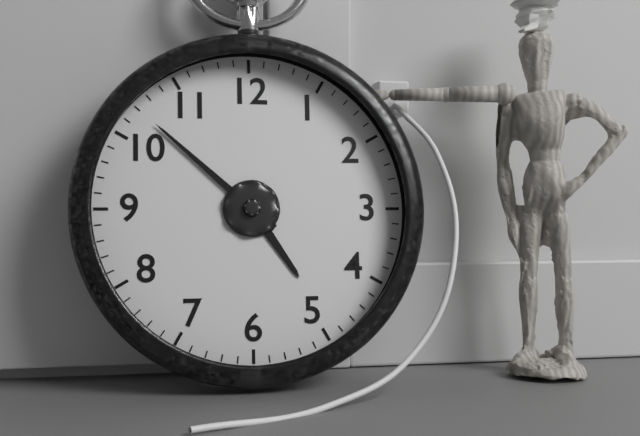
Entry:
4.52
